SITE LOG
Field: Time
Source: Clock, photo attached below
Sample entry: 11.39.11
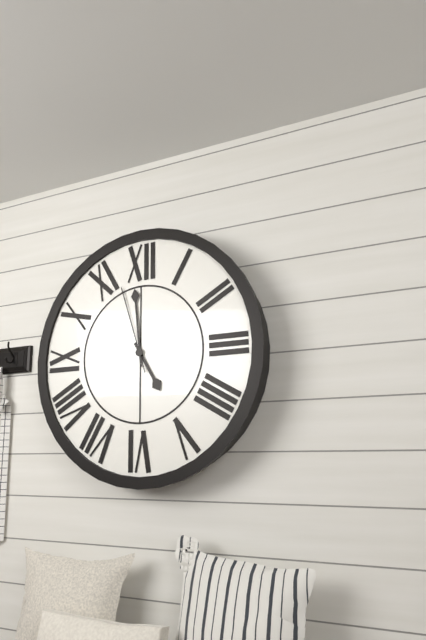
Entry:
4.59.57
